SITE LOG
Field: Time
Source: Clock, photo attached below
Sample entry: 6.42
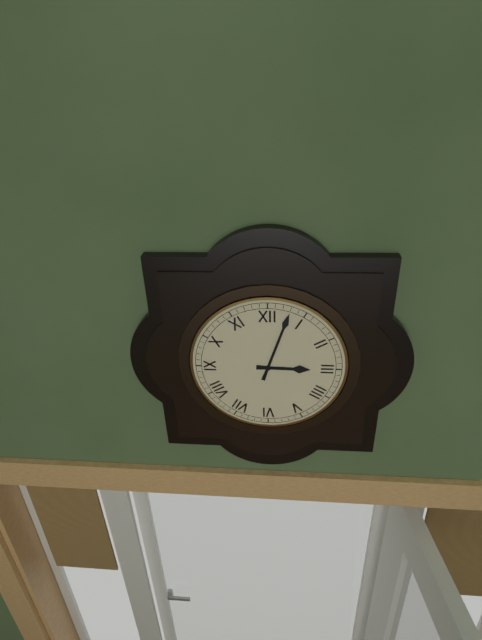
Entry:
3.03
